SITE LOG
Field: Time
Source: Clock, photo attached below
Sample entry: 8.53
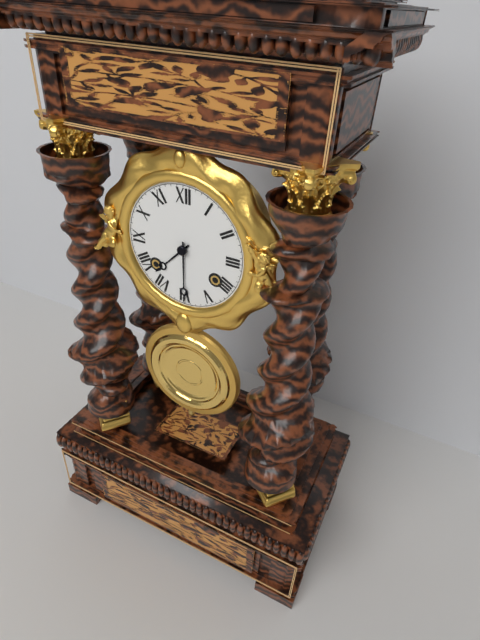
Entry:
7.30
